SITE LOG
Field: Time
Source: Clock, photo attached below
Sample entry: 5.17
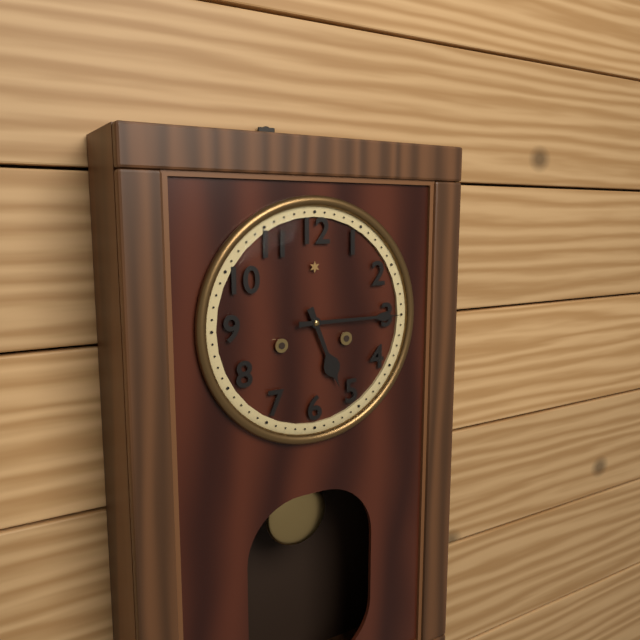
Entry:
5.15
